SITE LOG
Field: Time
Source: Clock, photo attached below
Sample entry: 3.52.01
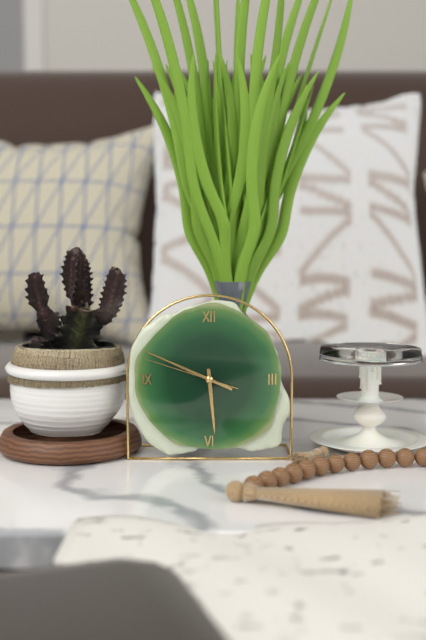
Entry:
5.49.48
